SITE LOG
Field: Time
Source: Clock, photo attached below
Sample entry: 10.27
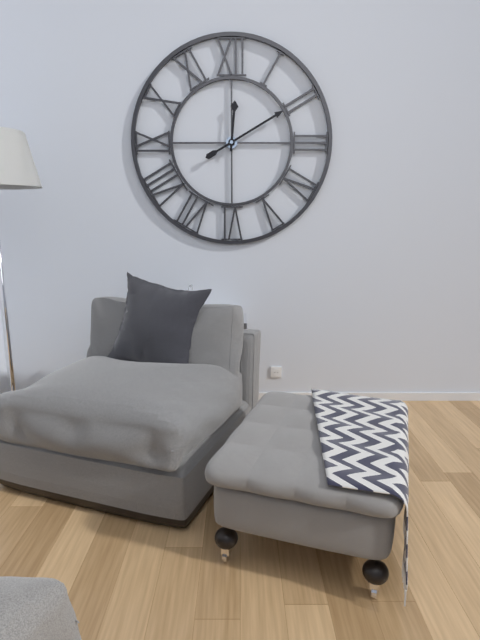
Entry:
12.10
